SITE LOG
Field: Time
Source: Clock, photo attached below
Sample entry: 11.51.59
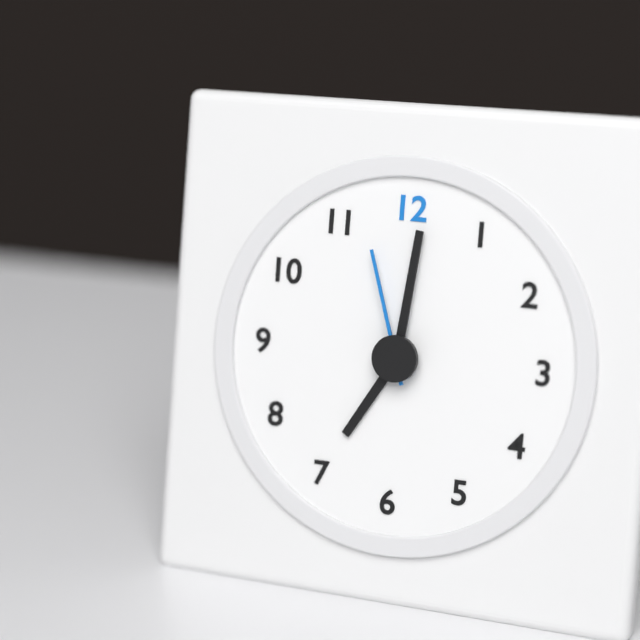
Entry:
7.01.57
